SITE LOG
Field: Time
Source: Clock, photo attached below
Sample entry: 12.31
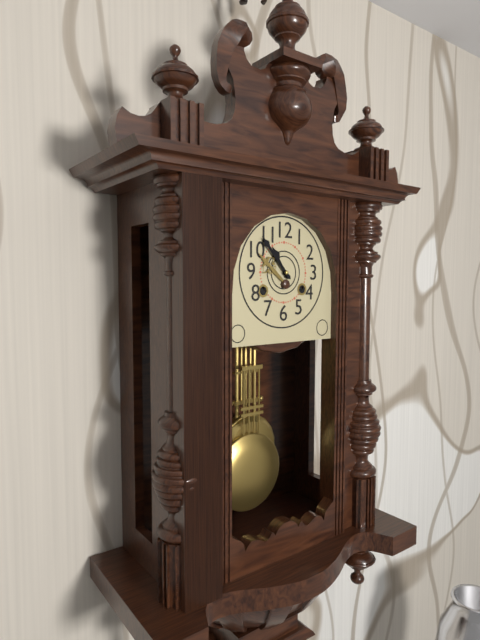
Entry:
10.53
